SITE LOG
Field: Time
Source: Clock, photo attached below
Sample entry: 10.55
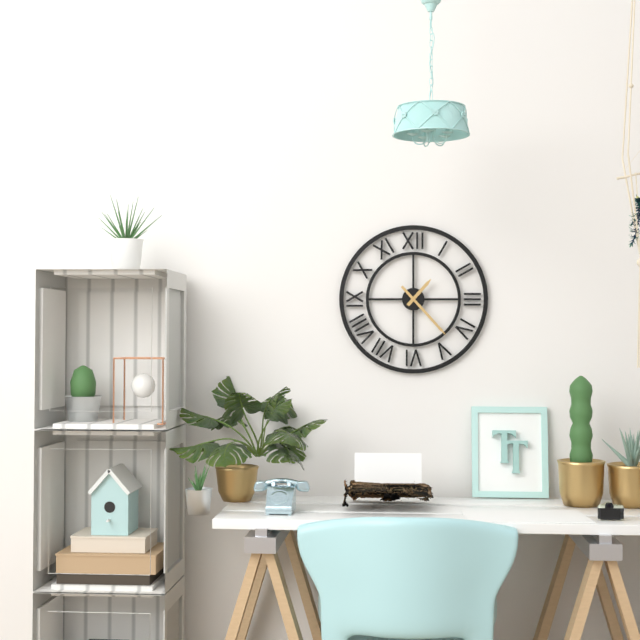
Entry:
1.23
